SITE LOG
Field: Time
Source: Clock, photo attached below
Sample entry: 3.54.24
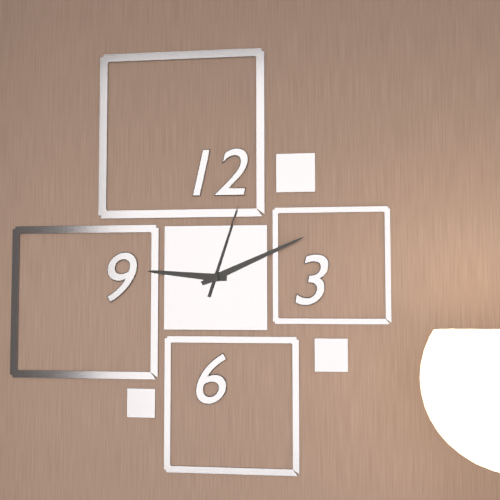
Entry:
9.11.03
